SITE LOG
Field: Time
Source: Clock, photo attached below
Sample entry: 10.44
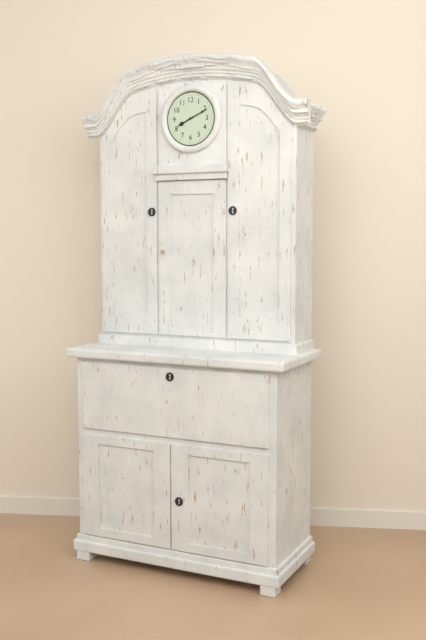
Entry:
8.11
